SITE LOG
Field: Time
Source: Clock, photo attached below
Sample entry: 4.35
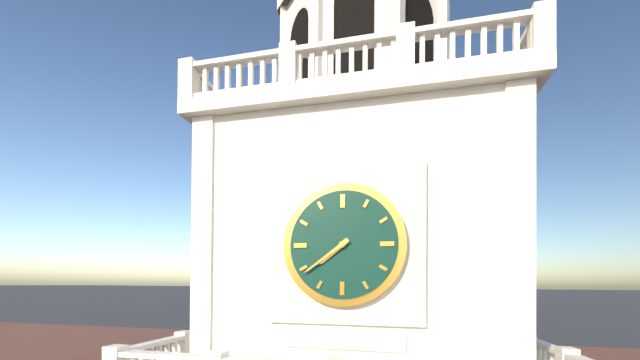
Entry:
7.39
